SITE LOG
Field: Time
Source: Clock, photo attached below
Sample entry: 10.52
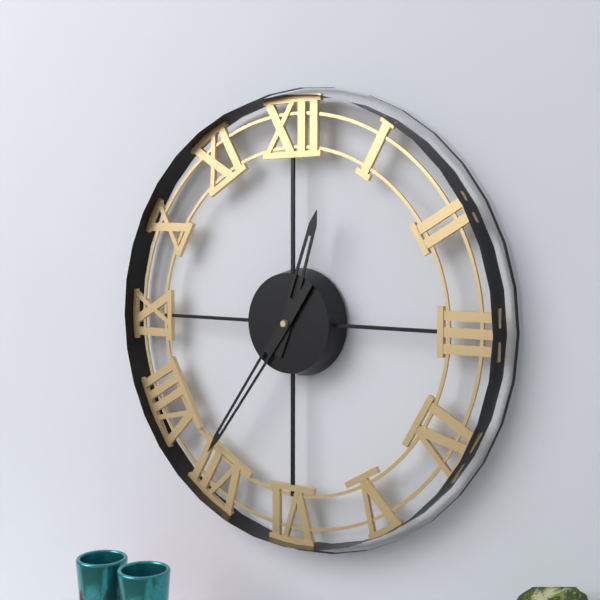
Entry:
12.36
